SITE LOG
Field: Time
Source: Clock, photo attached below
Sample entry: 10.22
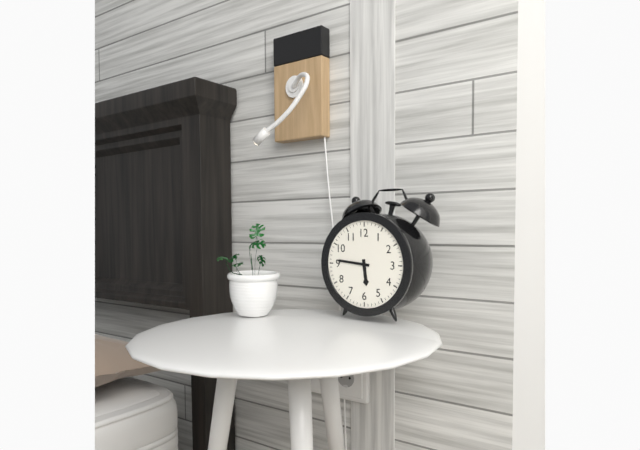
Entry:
5.46
